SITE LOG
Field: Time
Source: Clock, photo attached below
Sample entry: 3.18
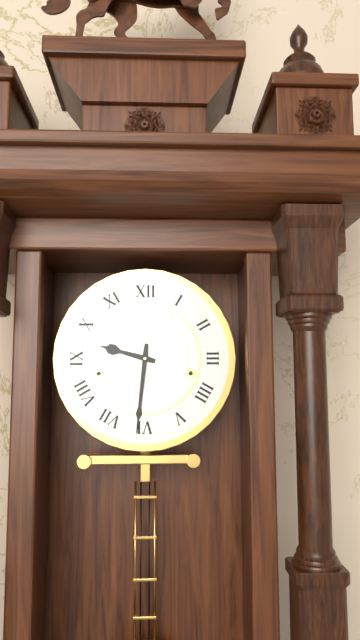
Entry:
9.31
